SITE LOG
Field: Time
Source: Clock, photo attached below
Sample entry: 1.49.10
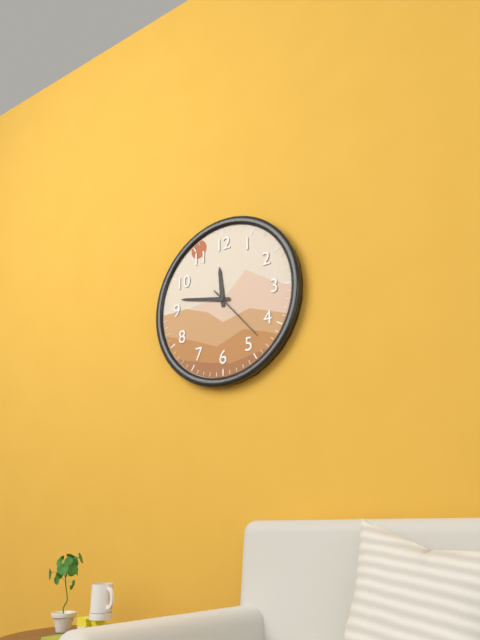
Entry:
11.47.23
